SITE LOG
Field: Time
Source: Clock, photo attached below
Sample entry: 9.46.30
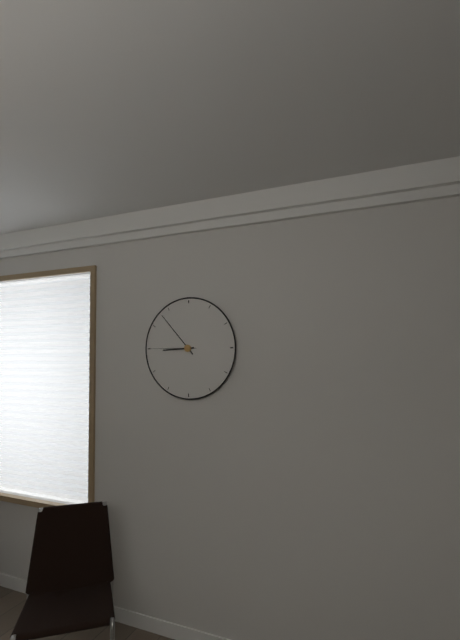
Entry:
8.53.45
